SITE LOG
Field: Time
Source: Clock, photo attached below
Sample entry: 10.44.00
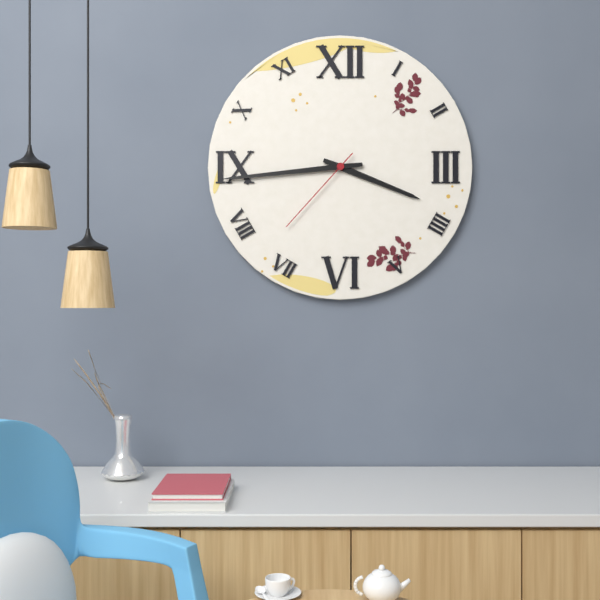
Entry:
3.44.37
